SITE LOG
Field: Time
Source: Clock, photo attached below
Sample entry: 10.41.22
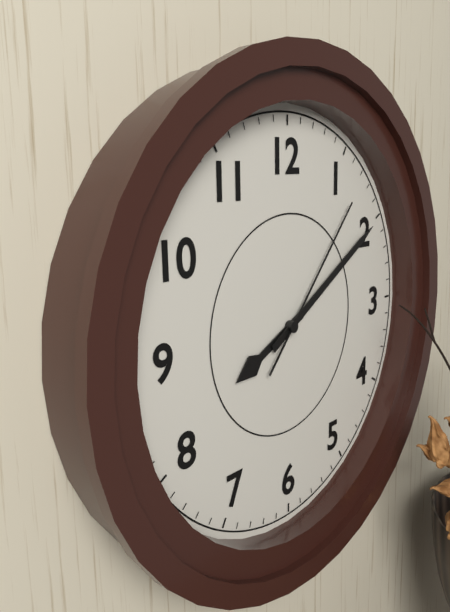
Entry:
8.10.07
